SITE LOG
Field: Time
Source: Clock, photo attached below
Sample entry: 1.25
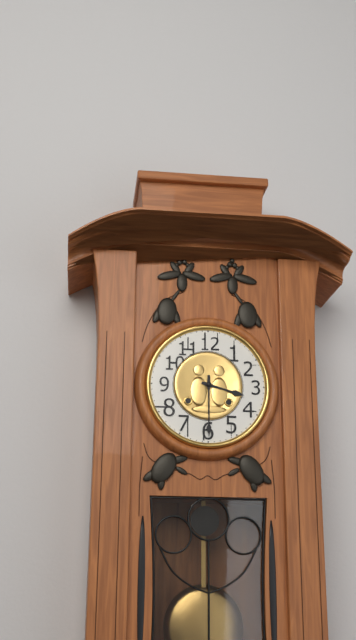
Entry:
3.30
